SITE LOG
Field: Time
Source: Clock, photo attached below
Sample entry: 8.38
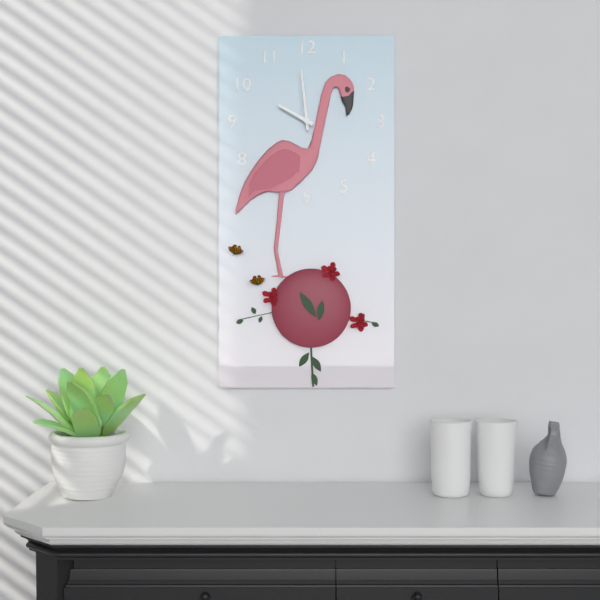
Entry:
9.59
